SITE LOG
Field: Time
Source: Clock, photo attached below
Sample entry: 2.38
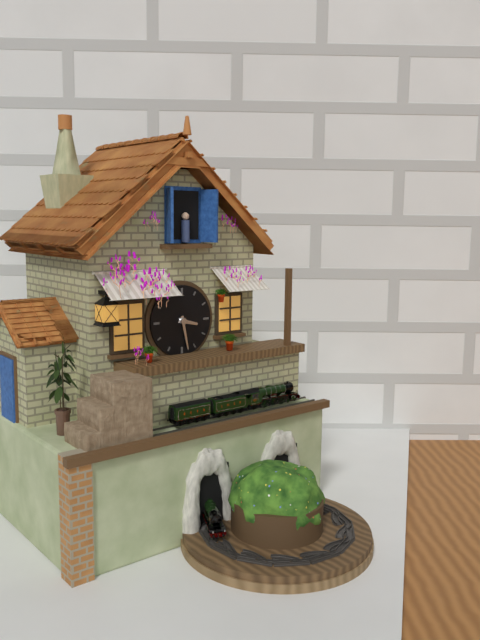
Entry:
3.28
